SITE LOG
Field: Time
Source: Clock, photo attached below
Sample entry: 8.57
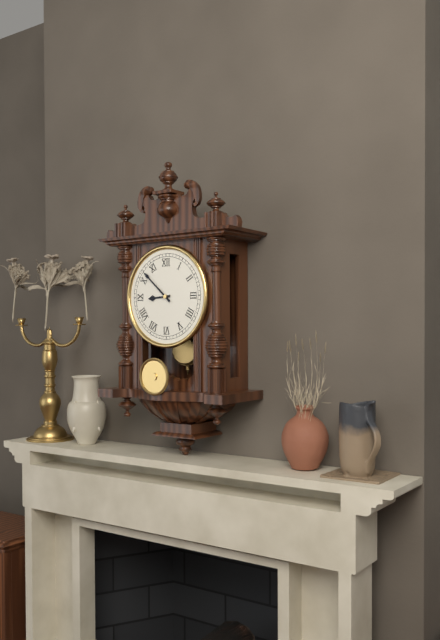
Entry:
8.52
